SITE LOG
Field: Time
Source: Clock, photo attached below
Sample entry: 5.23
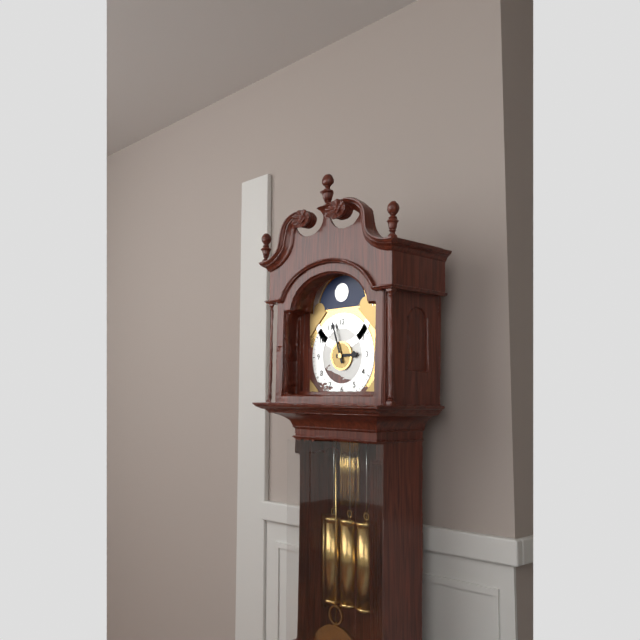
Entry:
2.57
